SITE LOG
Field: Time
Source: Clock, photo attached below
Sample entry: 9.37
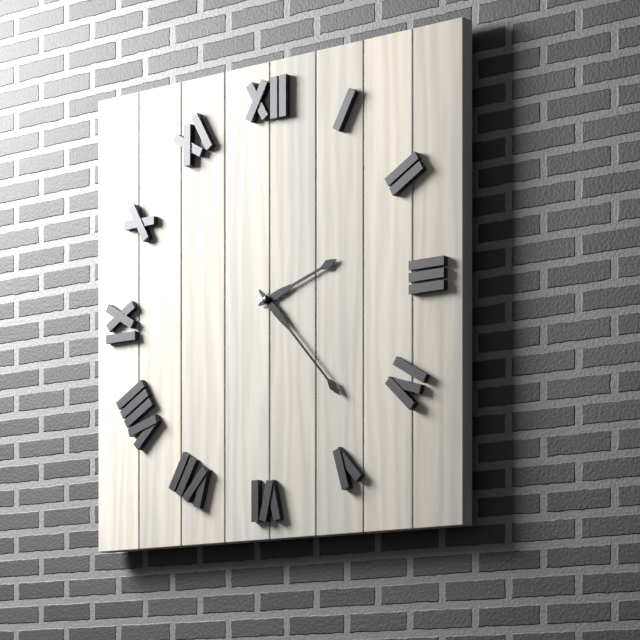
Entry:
2.23
